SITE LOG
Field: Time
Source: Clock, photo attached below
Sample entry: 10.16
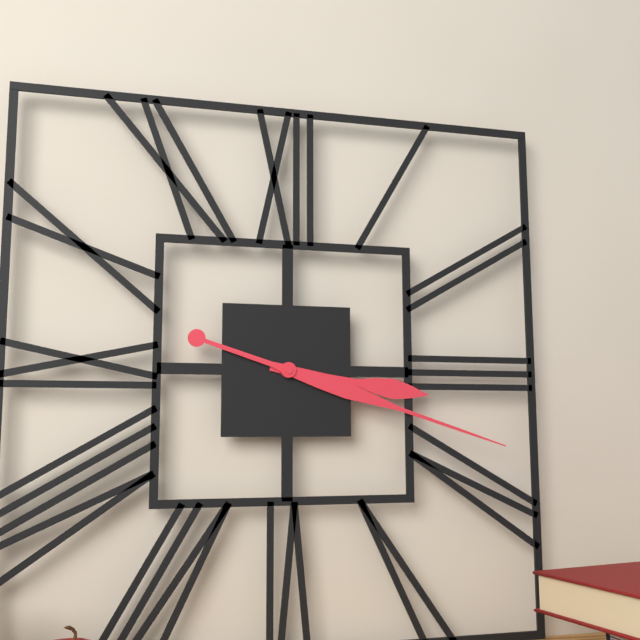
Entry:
3.18
